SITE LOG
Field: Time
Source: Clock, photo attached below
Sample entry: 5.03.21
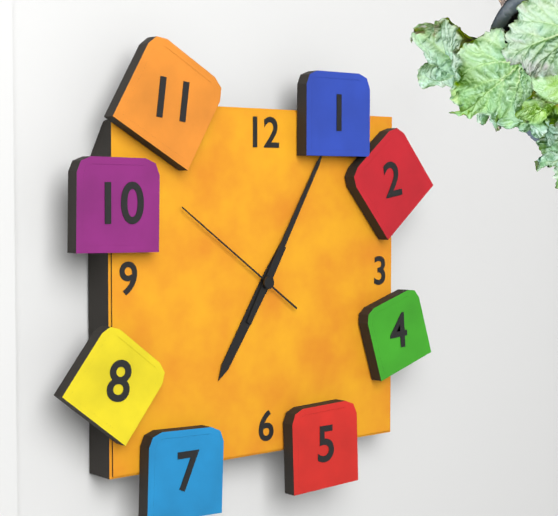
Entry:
7.05.51
